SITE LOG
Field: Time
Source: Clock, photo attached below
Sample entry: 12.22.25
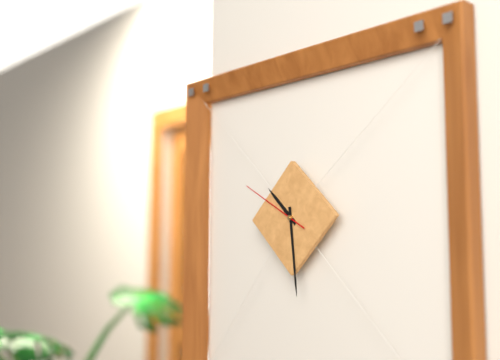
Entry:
10.29.50
